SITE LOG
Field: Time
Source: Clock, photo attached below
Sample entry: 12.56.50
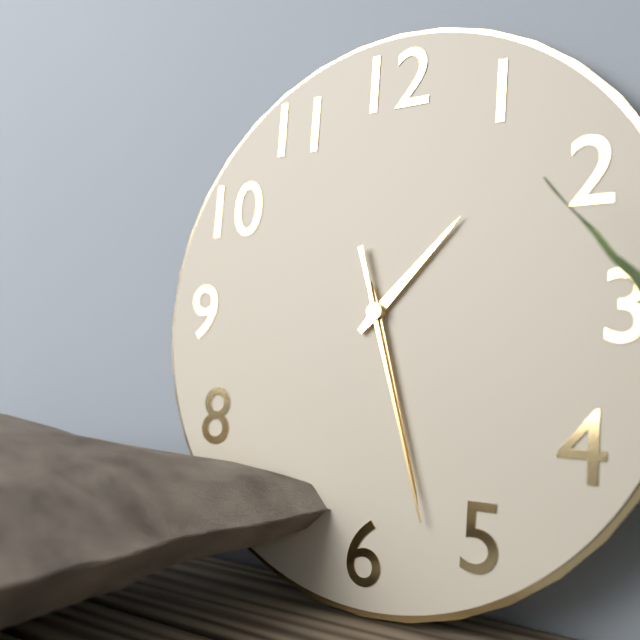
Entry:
1.27.27
